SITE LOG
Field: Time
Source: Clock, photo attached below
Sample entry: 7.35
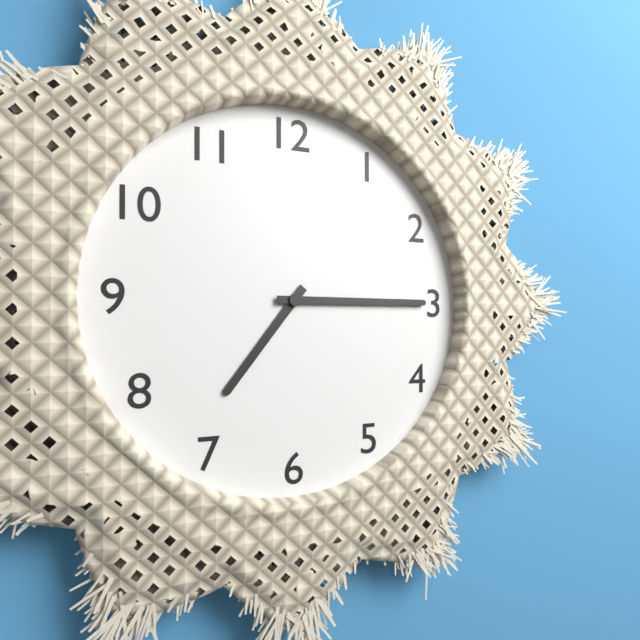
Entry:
7.15
